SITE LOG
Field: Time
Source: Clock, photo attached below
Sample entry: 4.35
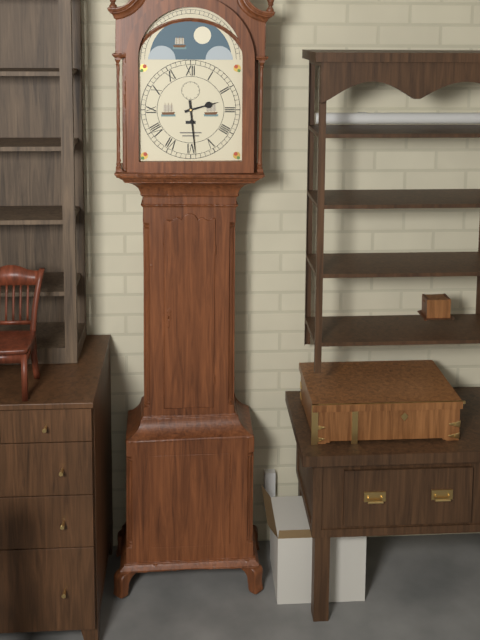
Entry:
2.29
